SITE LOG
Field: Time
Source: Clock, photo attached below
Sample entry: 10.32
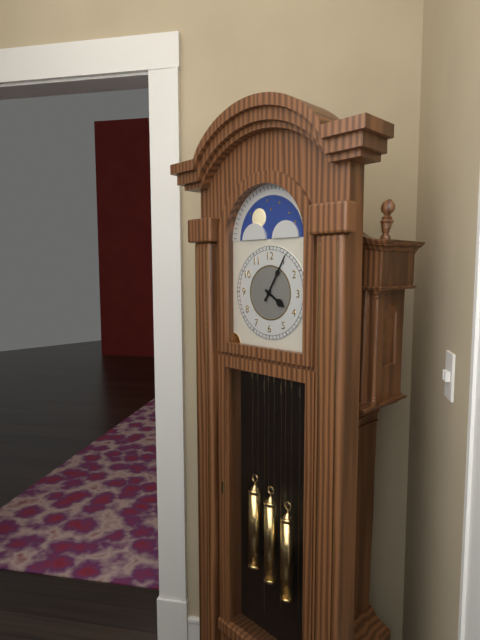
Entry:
4.05
